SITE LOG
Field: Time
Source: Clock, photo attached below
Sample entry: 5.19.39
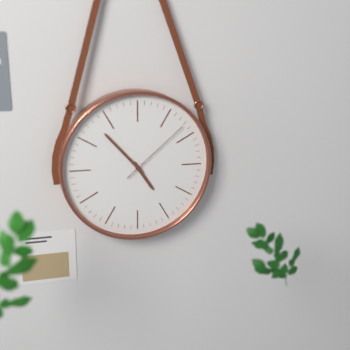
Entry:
4.53.08
